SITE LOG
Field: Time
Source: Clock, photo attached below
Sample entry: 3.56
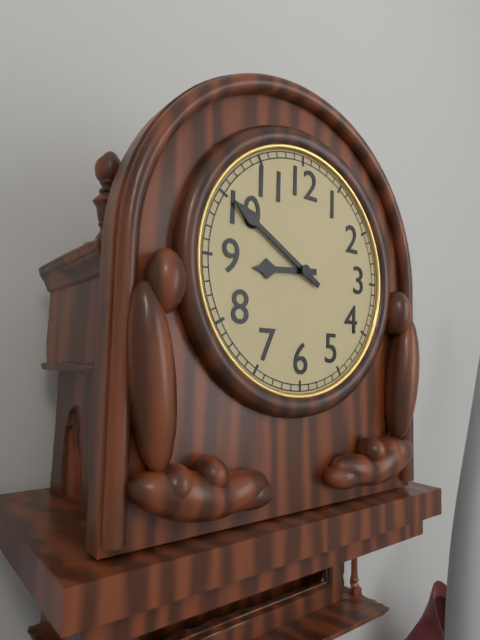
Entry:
8.50
